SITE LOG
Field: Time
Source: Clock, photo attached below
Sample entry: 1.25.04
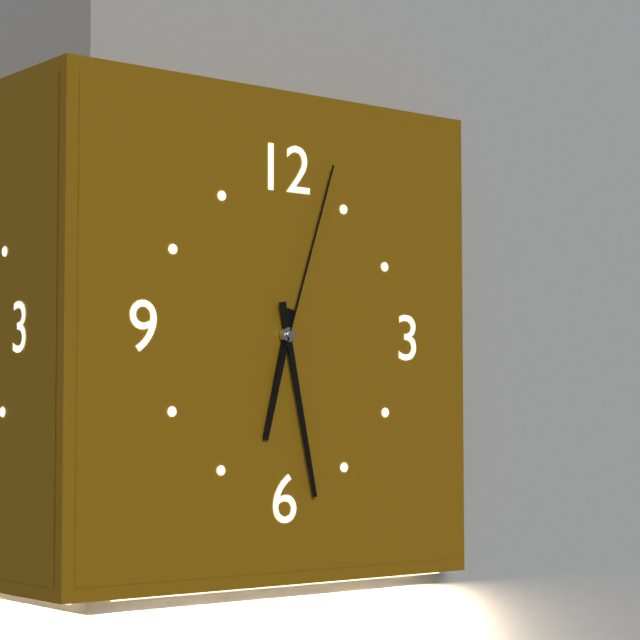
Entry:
6.28.03
